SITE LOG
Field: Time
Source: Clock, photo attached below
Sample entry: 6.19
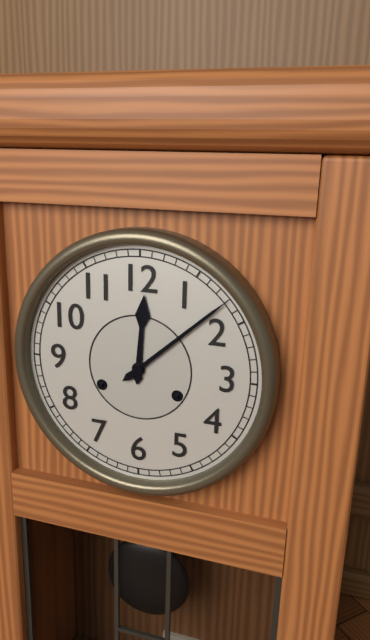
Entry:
12.08
